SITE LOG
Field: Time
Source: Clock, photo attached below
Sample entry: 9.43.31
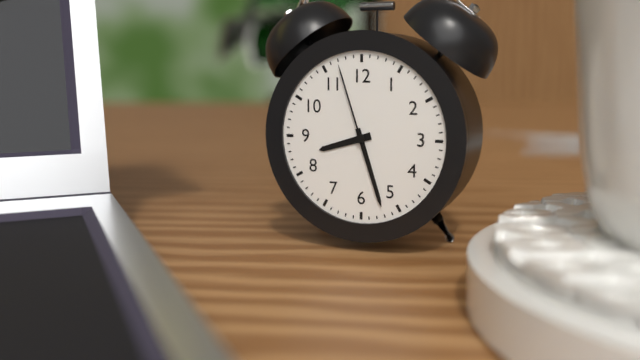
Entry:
8.27.57
